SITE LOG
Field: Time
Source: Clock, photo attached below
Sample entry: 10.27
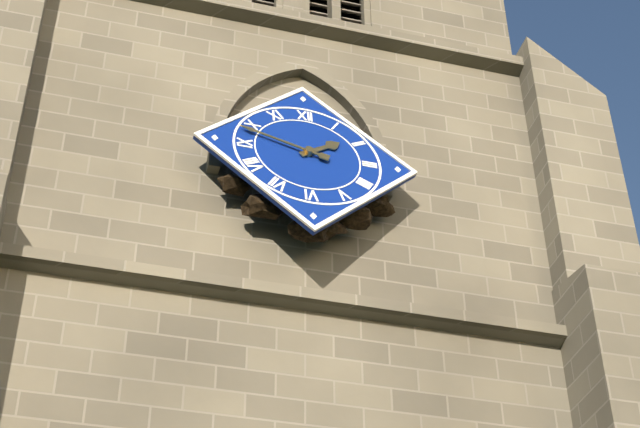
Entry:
1.48
